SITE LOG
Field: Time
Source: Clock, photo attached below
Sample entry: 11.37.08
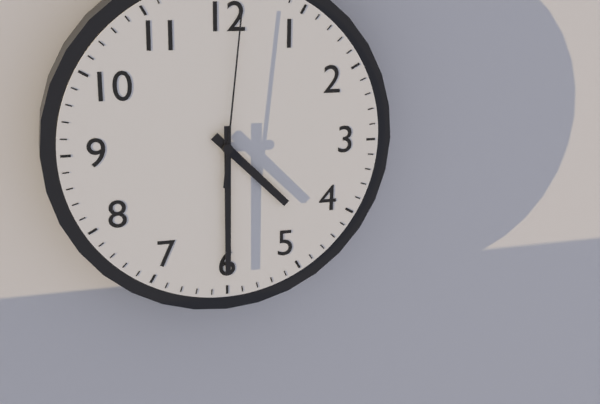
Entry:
4.30.01
